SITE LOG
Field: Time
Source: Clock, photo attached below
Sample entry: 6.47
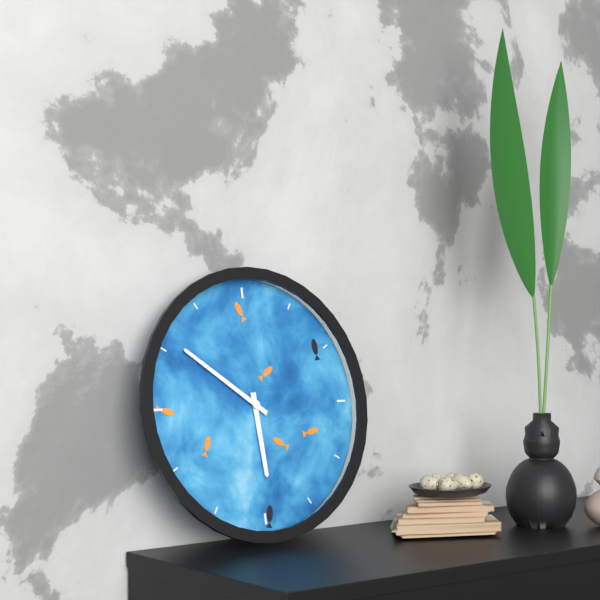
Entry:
5.51
